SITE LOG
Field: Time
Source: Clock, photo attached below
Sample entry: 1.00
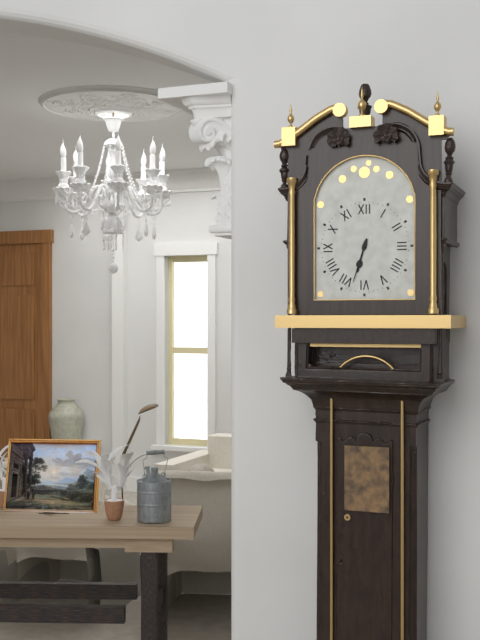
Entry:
6.33
